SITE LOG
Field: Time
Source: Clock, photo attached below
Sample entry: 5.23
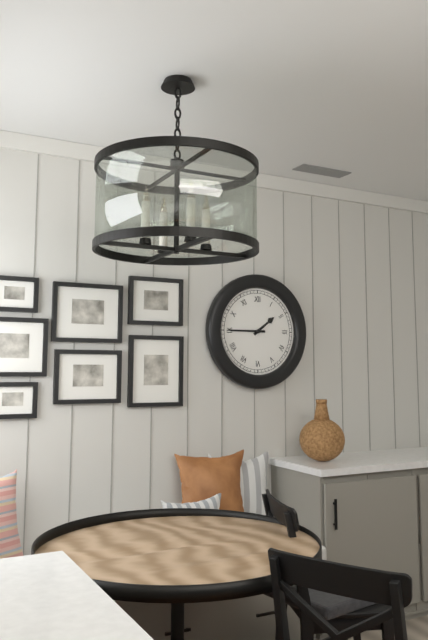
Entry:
1.45
